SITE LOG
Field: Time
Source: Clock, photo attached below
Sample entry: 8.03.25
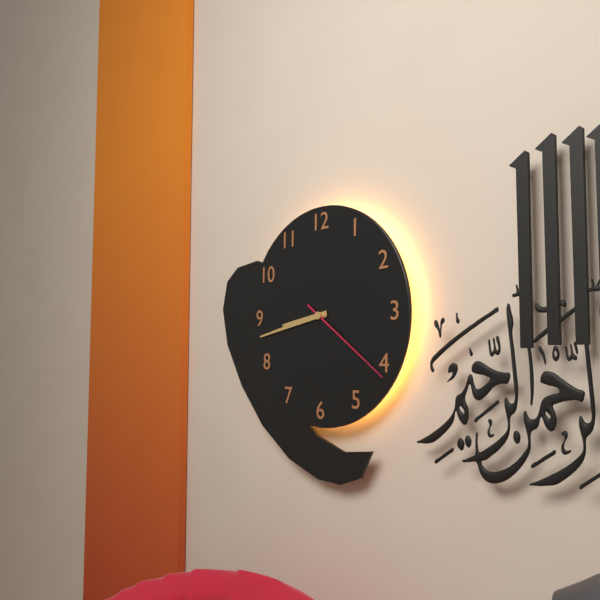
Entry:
8.43.21
